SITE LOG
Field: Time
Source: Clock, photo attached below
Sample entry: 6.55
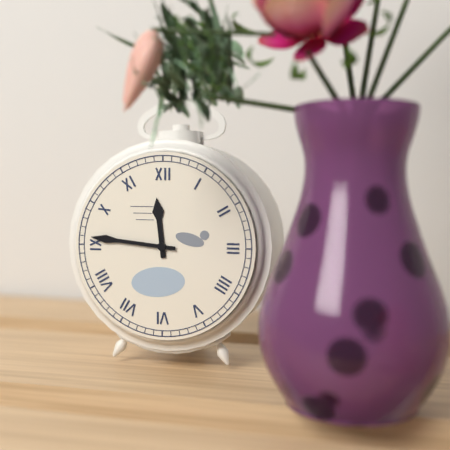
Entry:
11.46
